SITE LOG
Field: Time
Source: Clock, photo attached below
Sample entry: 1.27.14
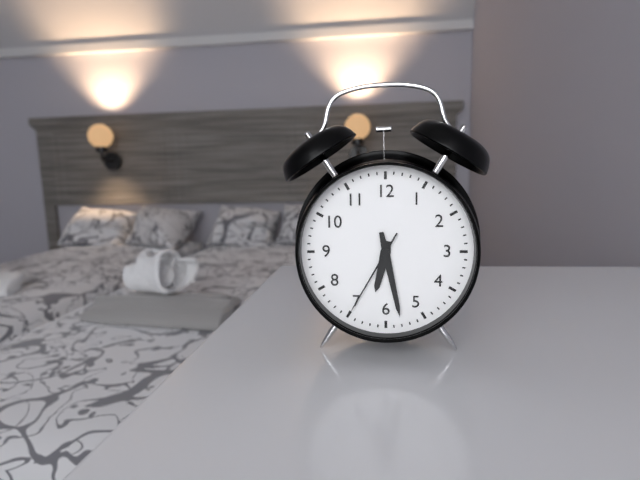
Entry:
6.28.35
